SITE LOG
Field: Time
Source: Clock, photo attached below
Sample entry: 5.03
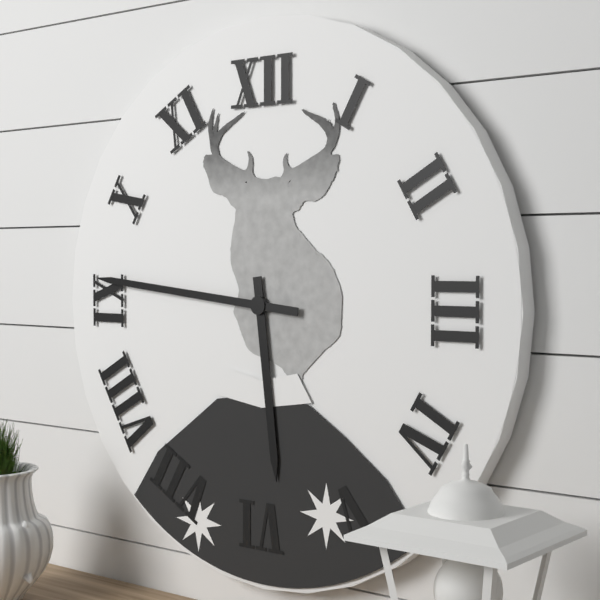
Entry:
5.46
